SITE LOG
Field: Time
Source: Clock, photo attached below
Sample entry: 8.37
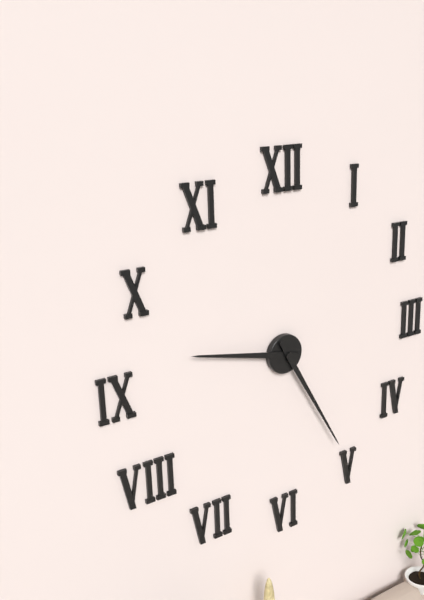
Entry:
9.25
